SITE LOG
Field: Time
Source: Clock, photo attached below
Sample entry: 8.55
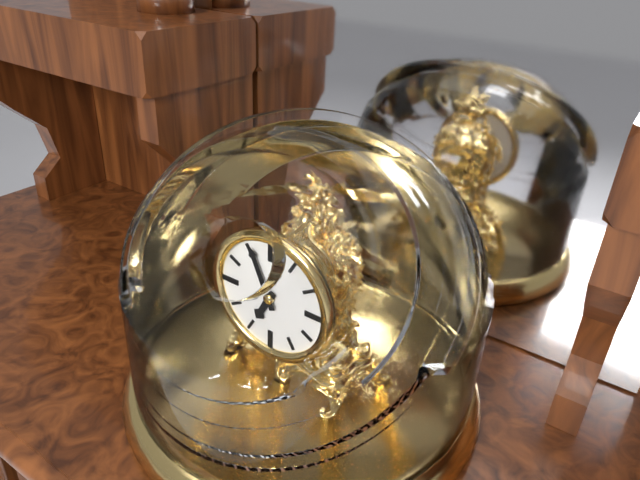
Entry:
6.56
